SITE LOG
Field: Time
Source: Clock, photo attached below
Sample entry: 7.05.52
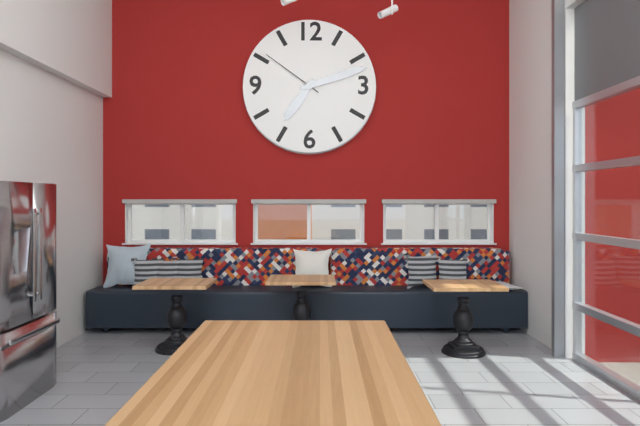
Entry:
7.12.51
